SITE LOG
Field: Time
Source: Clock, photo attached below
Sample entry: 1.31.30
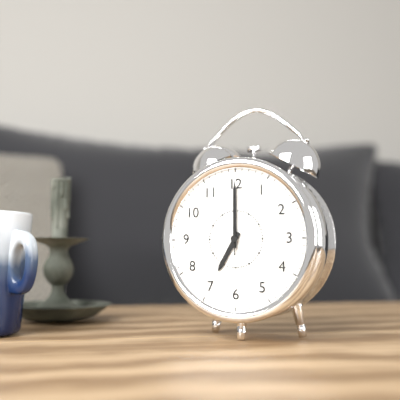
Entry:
7.00.00
